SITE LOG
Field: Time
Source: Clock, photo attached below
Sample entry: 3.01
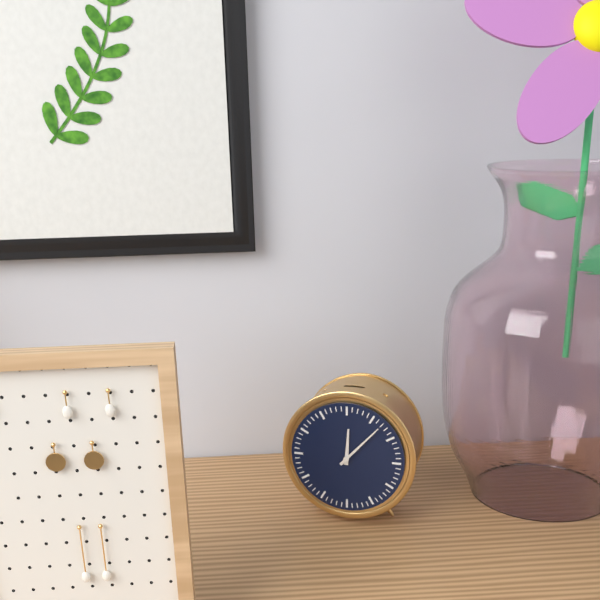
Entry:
12.07
